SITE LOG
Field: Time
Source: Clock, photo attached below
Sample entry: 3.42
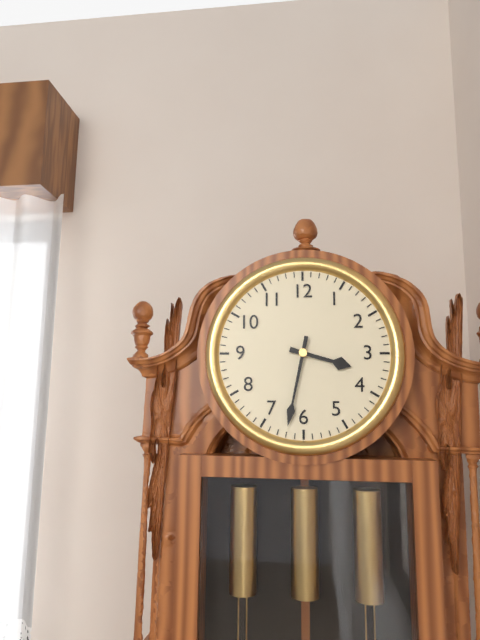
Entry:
3.32
